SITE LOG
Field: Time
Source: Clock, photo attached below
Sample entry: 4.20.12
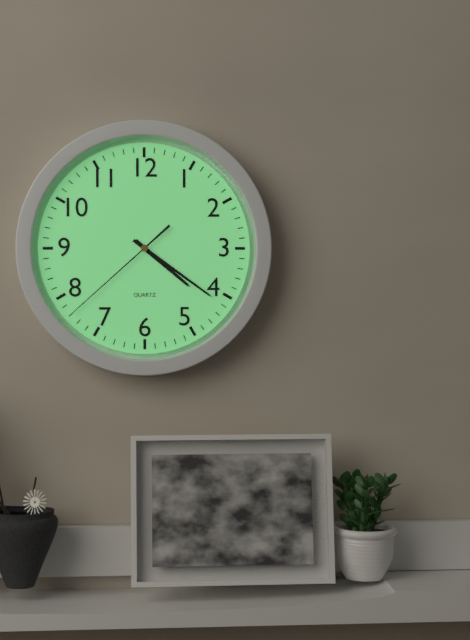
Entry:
4.21.38
